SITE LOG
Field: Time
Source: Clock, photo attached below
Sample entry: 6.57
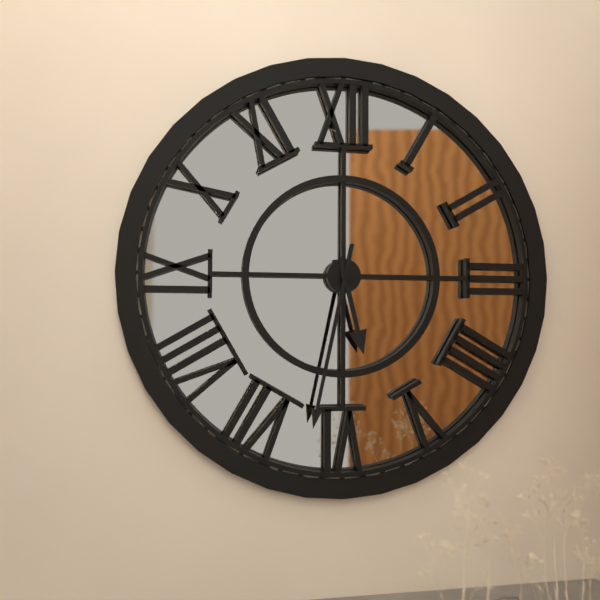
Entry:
5.32
